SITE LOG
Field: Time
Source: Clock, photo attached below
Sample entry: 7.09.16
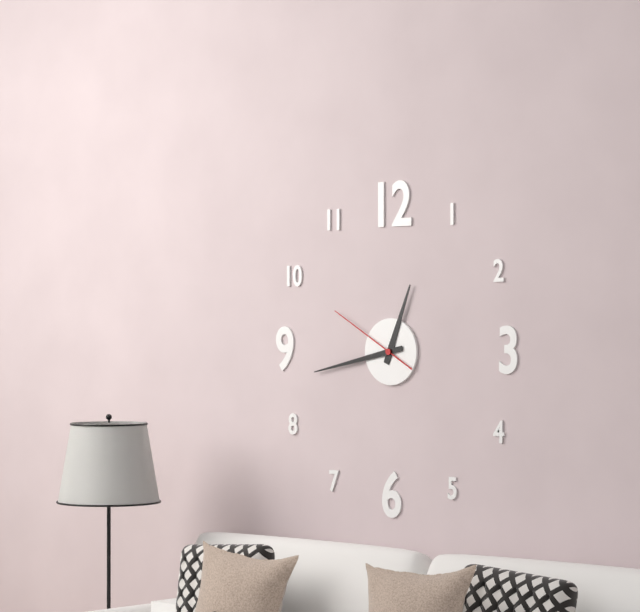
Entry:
12.43.50
